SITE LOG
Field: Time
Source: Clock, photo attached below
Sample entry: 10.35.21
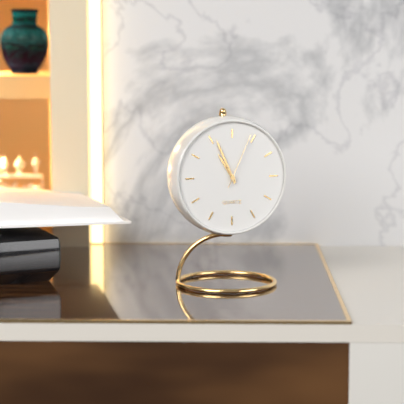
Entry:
10.56.04
